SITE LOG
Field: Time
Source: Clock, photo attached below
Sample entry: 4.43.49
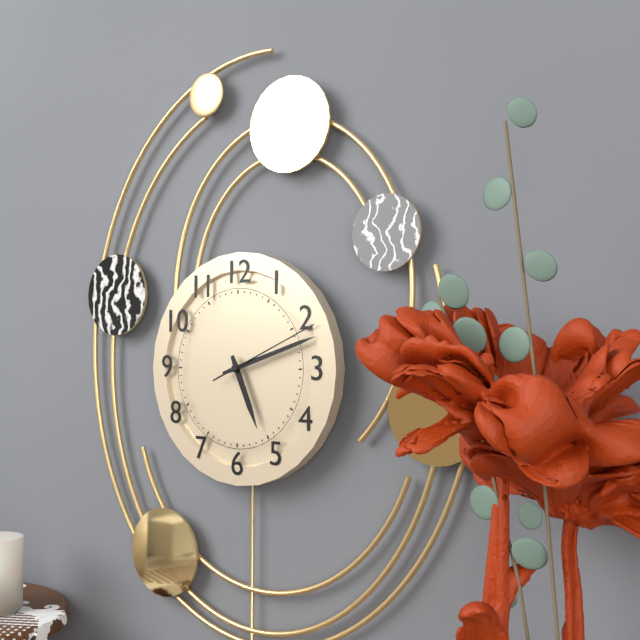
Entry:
5.12.11
